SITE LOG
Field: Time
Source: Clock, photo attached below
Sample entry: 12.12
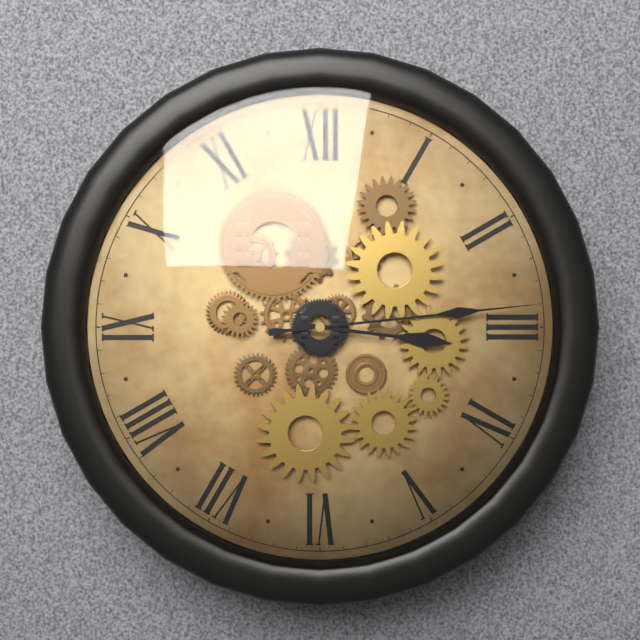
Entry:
3.14
